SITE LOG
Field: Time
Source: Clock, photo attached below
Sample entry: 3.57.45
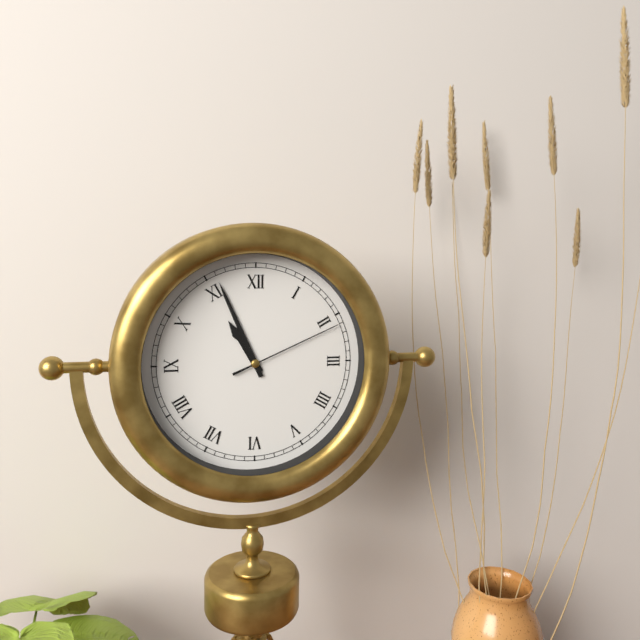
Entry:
10.56.11
